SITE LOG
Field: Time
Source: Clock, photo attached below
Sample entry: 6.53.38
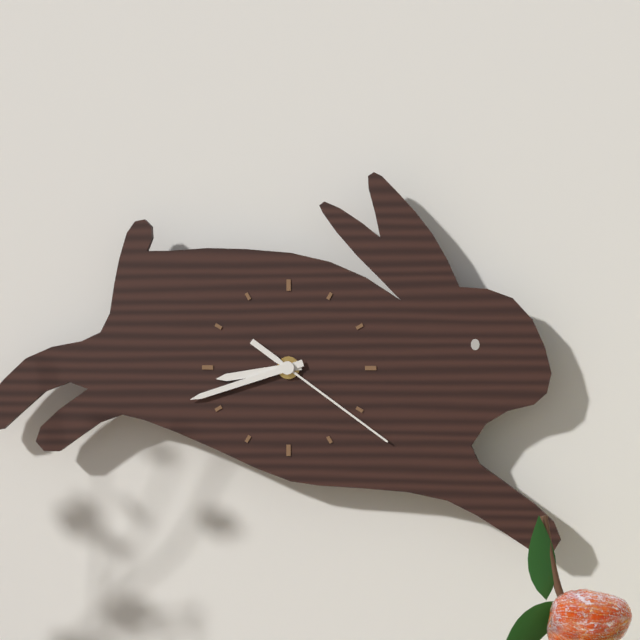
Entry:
8.42.21
